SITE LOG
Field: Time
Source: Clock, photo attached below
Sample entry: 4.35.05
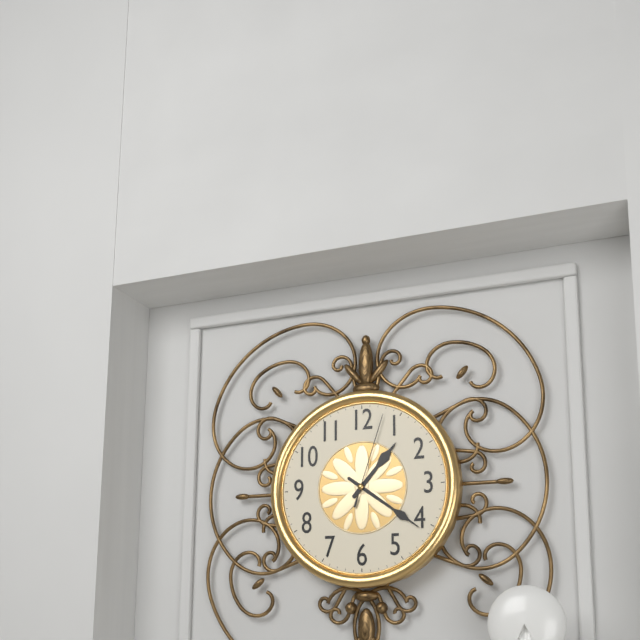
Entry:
1.21.03
